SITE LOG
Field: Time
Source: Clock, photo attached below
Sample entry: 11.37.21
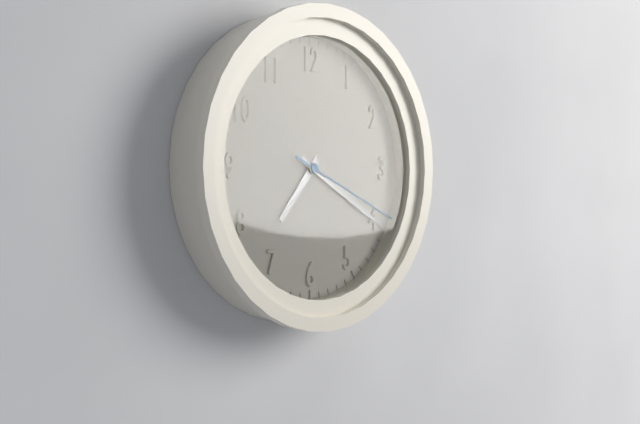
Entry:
7.20.19
